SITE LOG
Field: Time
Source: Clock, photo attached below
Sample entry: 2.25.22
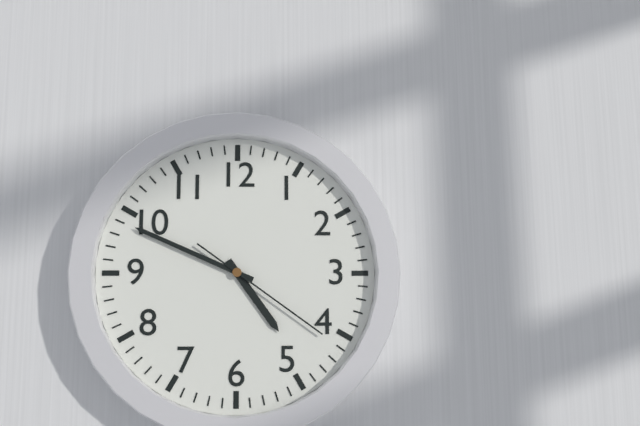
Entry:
4.49.21
